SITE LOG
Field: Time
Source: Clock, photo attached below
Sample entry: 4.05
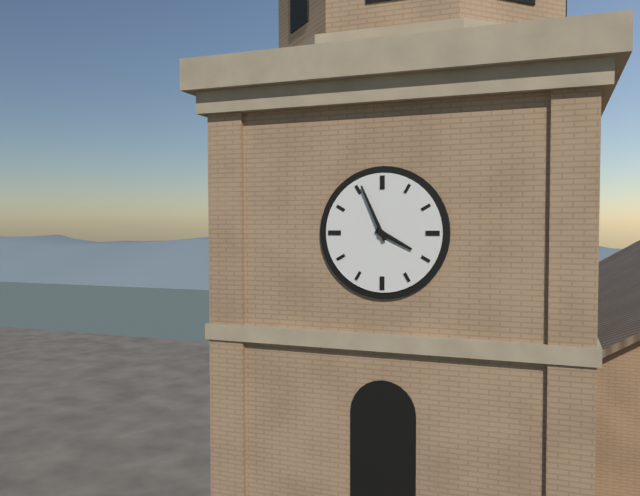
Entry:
3.56
